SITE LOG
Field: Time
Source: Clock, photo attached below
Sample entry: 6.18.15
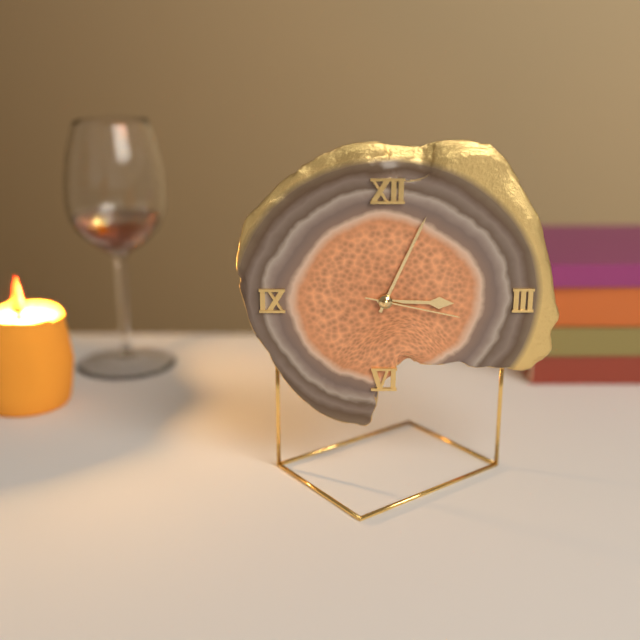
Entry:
3.04.17
